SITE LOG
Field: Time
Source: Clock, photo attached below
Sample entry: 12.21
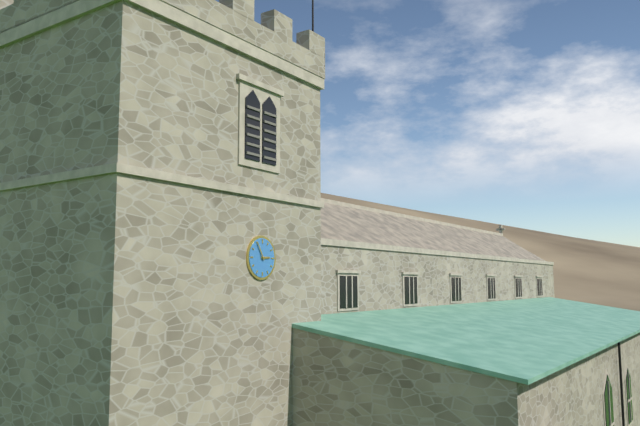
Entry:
2.55
